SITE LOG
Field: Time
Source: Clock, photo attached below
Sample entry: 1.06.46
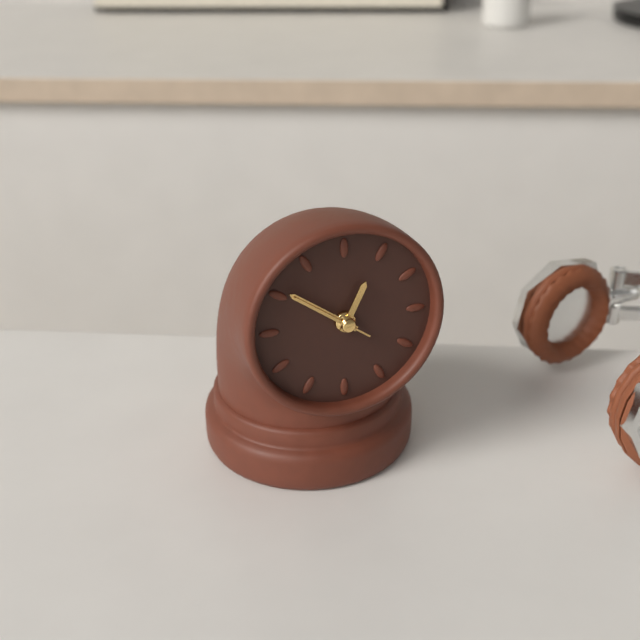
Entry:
12.51.51
